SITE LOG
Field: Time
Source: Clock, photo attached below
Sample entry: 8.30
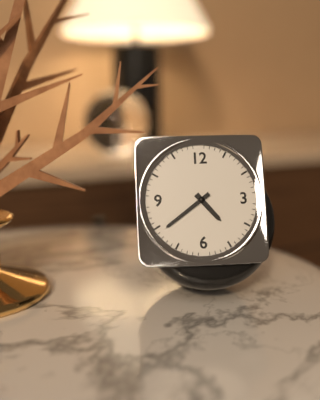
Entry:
4.39
